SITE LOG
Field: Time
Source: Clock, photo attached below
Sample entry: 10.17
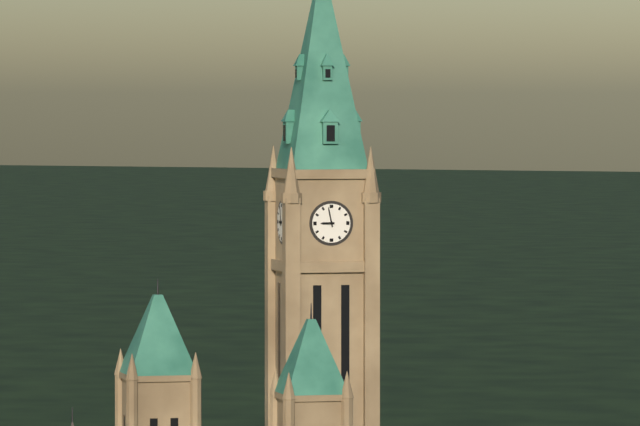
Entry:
8.58
